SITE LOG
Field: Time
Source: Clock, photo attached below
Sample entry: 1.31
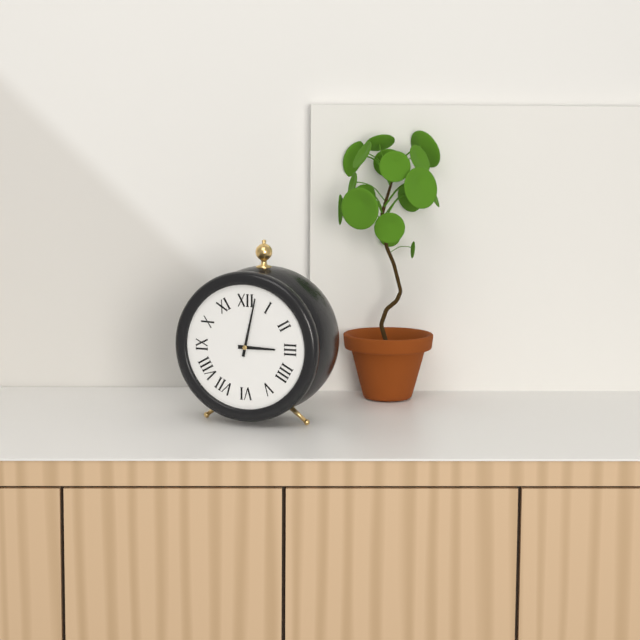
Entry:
3.02
